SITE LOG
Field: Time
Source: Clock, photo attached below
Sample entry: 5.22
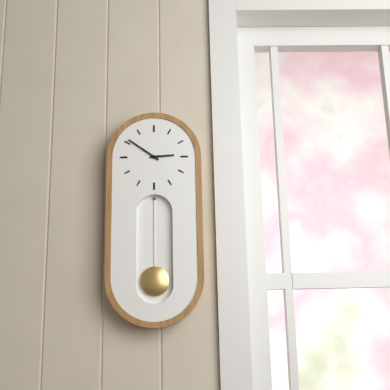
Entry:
2.51
